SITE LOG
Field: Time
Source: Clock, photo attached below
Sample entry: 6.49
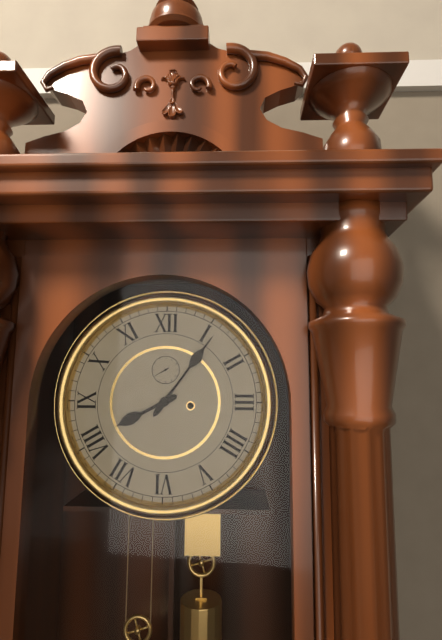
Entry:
8.06
